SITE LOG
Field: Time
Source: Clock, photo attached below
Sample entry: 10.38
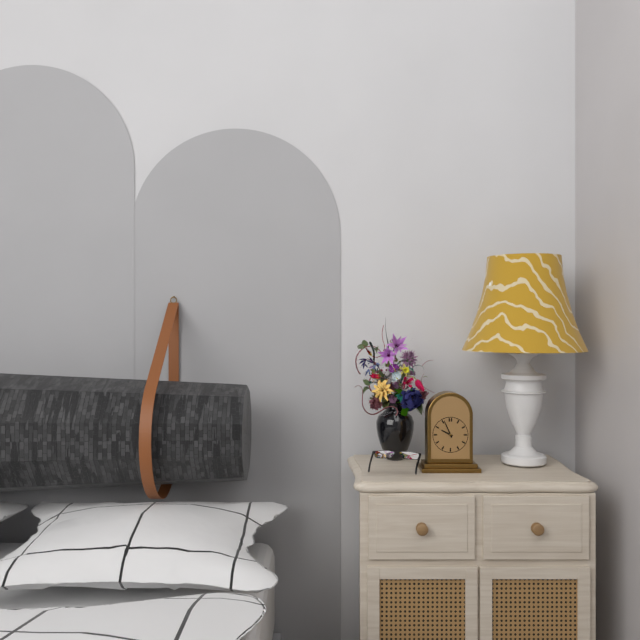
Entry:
9.56
